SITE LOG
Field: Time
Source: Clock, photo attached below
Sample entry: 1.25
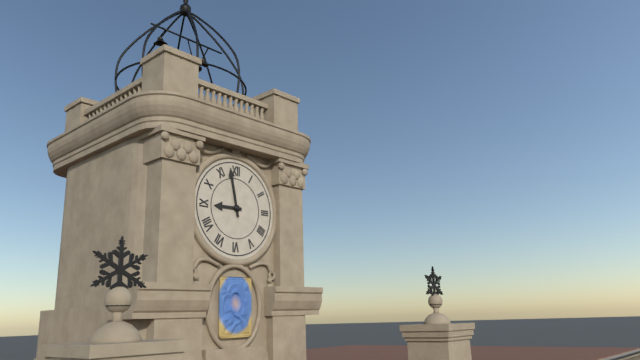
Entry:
8.58
